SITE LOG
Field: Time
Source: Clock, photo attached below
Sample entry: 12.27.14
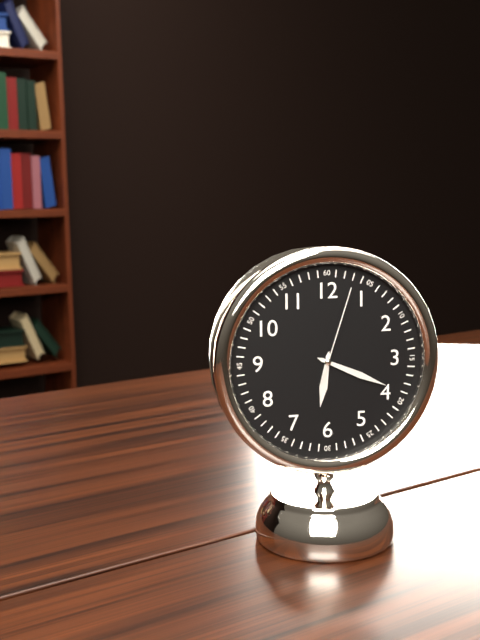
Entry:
6.19.03
